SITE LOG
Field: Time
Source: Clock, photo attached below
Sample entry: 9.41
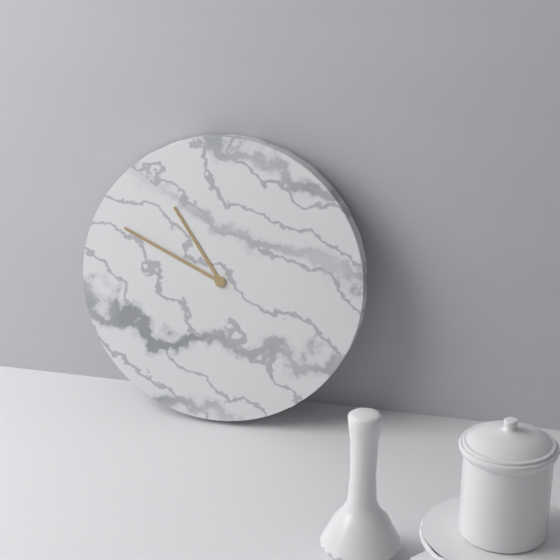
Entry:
10.49
